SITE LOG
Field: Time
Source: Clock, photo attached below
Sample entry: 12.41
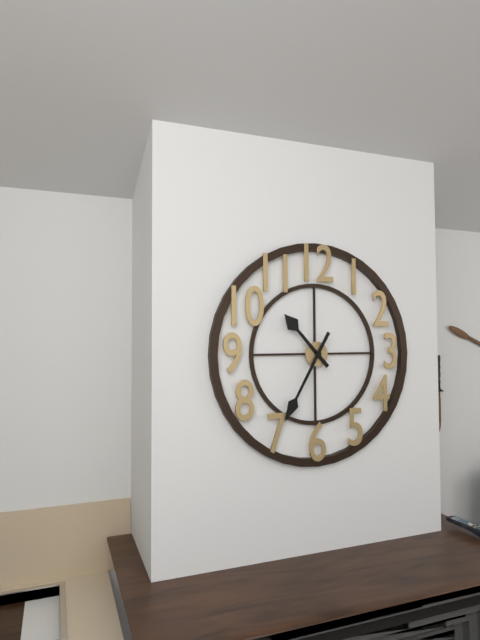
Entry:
10.35
